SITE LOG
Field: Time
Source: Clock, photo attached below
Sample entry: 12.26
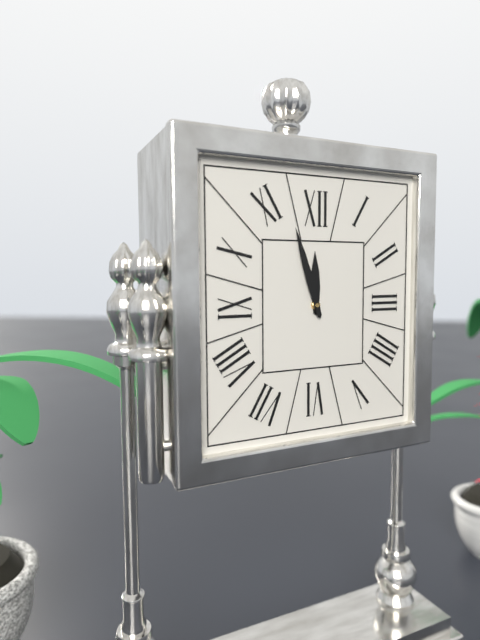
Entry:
11.57
